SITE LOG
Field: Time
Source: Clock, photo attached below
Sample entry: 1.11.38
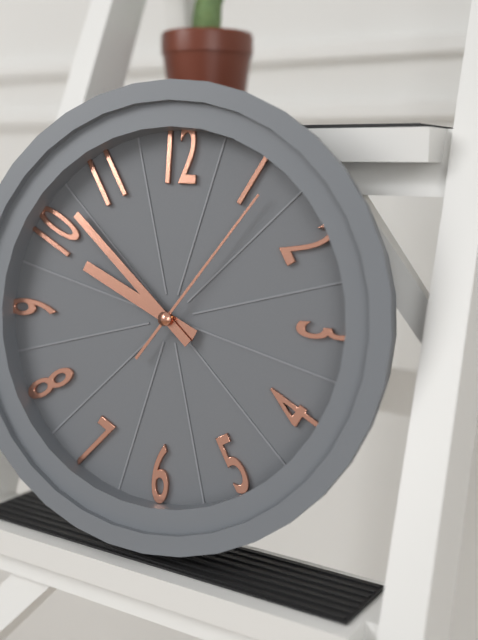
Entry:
9.52.06
